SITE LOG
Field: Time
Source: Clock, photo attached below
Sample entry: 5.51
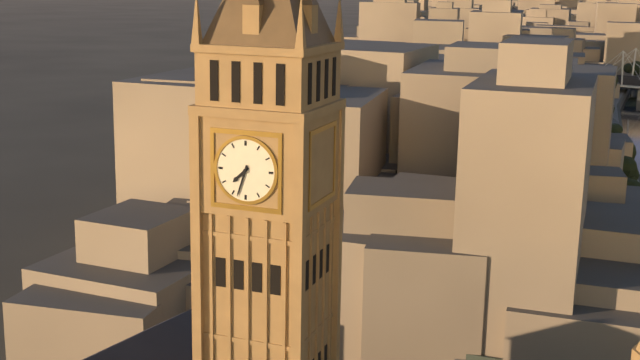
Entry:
7.33
